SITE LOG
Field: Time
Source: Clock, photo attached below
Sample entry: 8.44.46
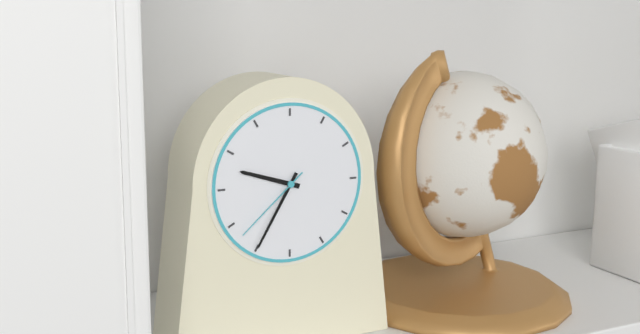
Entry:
9.35.38
